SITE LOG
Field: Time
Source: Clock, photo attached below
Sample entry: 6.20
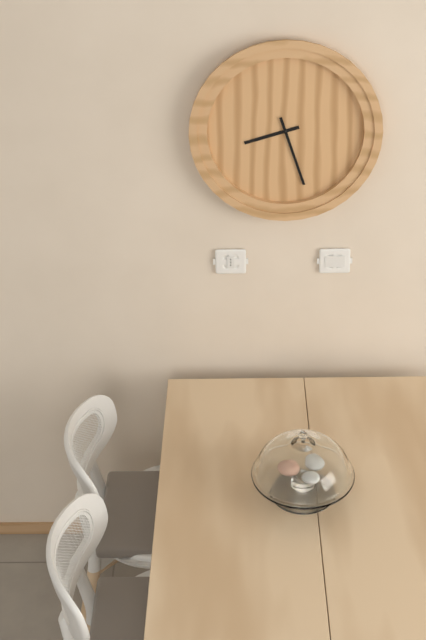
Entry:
8.27
